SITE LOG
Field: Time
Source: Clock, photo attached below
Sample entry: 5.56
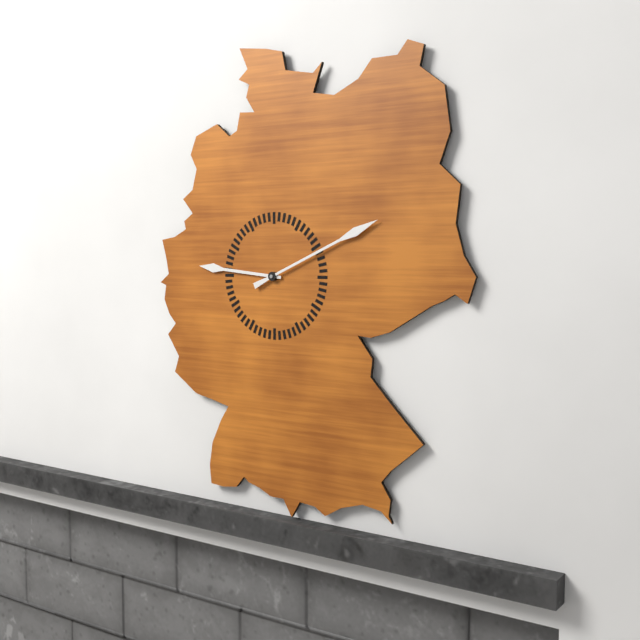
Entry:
9.11
